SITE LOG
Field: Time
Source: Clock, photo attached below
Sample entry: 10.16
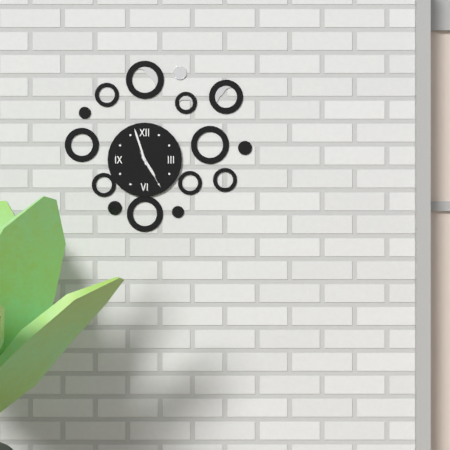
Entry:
4.57
